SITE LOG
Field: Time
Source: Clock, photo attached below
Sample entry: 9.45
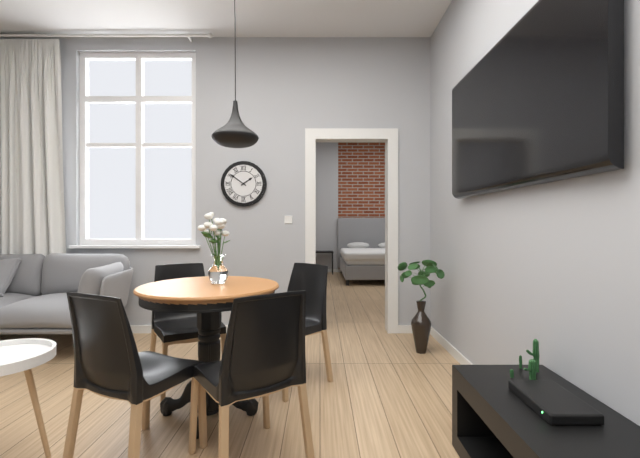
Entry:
1.51
